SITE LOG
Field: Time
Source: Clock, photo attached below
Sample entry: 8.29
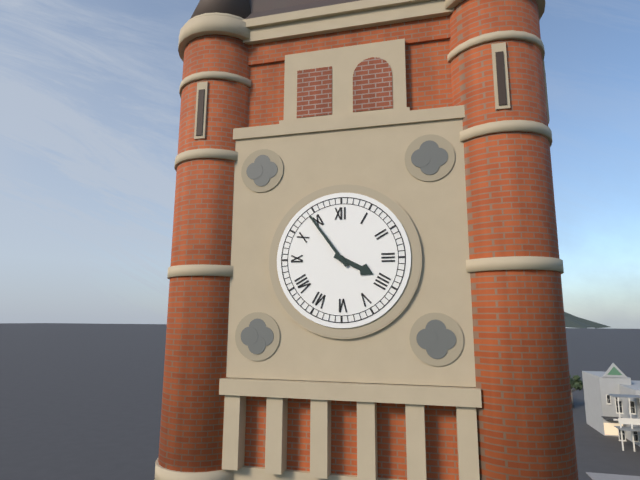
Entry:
3.54
